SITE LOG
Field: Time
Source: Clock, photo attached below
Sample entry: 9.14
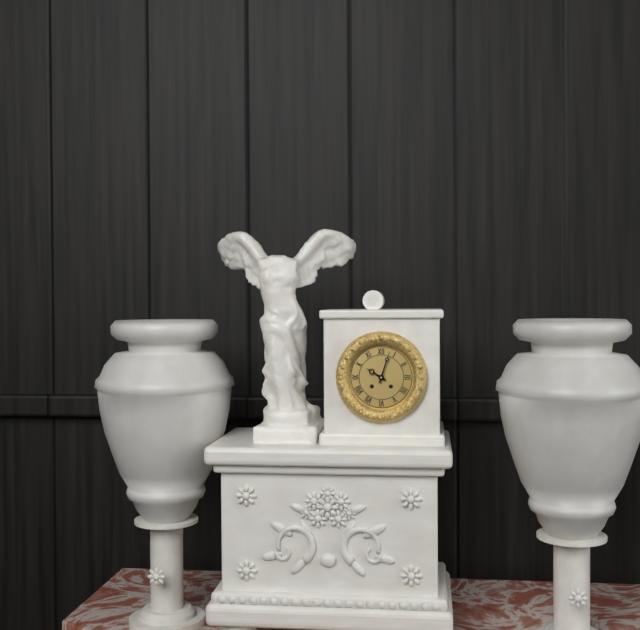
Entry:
10.03
